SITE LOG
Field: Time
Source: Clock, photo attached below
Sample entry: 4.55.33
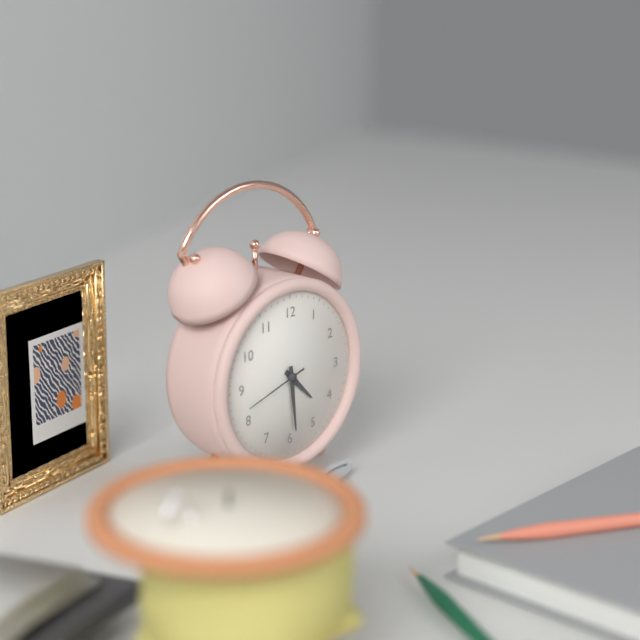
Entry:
4.29.42
